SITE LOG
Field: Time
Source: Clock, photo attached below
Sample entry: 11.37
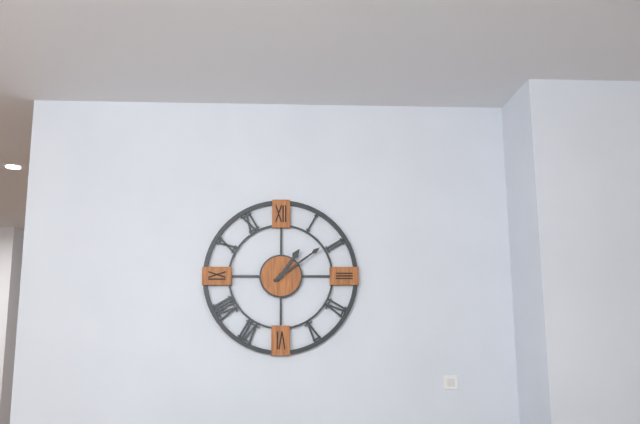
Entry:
1.09
